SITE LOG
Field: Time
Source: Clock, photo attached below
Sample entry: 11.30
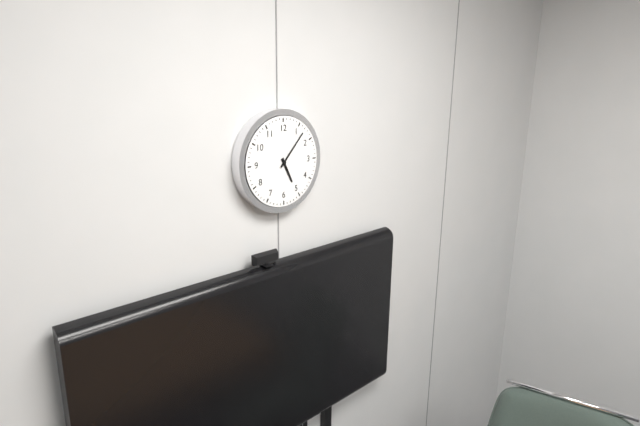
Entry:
5.07
